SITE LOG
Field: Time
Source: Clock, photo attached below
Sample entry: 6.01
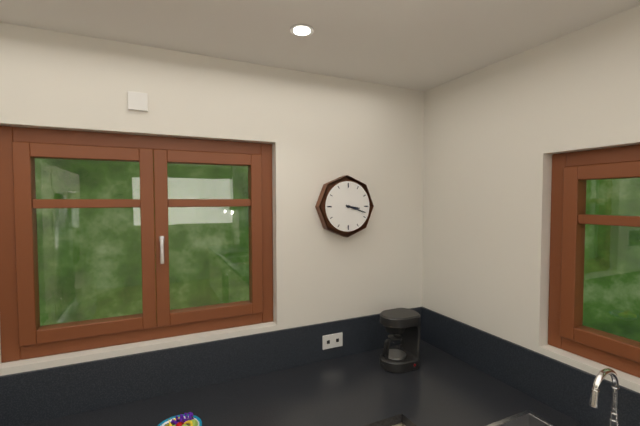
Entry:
3.18
